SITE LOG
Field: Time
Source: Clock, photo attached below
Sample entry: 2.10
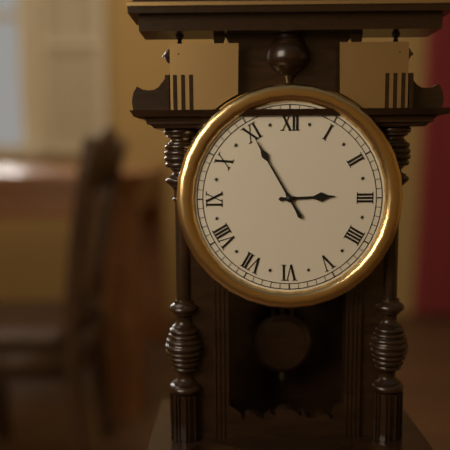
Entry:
2.55
